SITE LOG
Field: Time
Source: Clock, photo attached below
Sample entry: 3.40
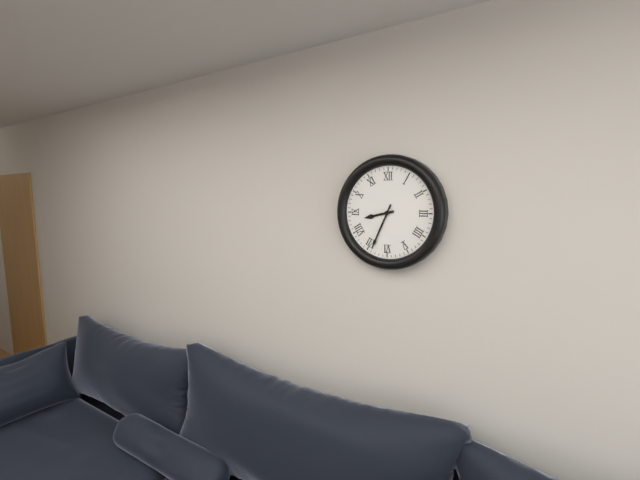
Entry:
8.34
